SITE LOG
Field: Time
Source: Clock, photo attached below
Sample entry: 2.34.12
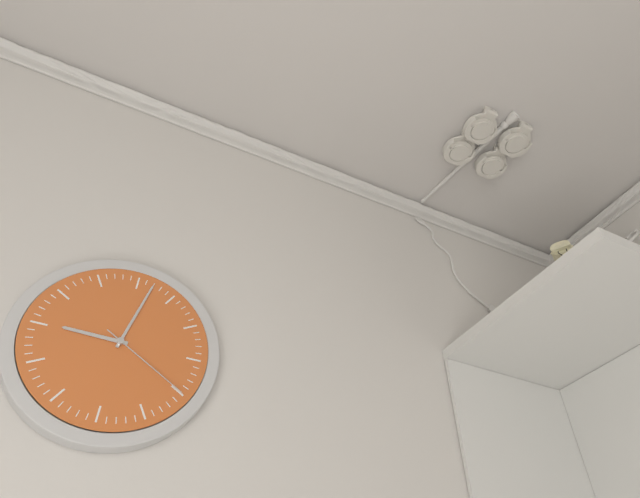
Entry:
9.02.20
